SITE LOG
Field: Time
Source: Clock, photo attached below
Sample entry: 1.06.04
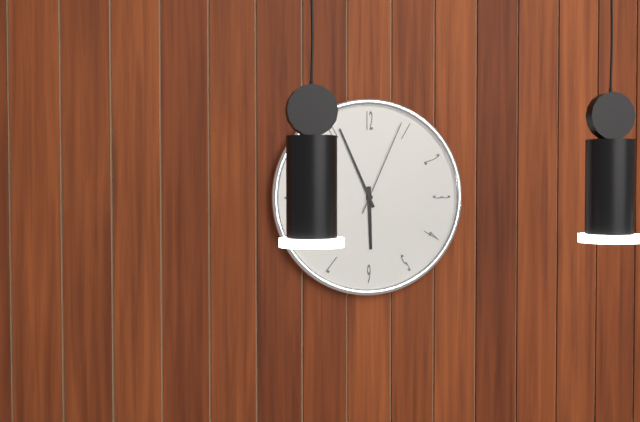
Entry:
5.56.04
